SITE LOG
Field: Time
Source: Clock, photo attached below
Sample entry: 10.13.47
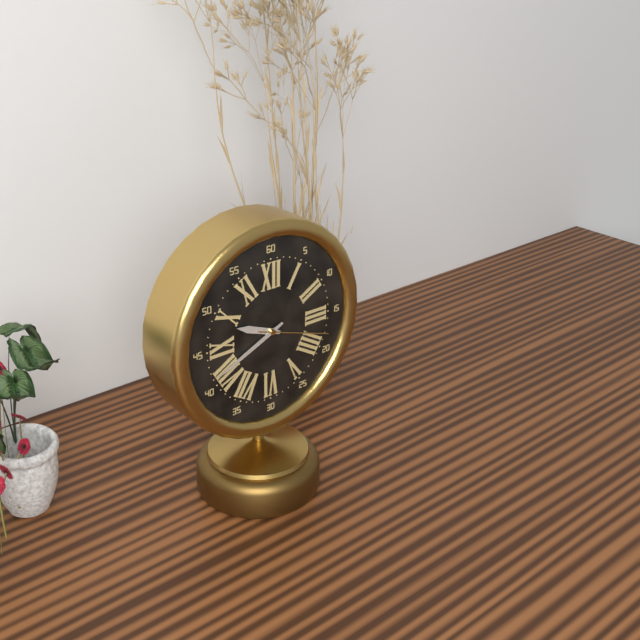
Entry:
9.41.18
